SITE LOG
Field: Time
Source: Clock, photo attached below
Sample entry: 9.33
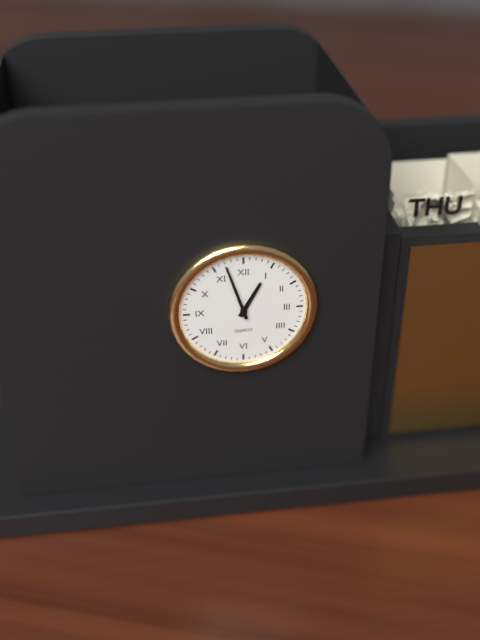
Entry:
12.57
